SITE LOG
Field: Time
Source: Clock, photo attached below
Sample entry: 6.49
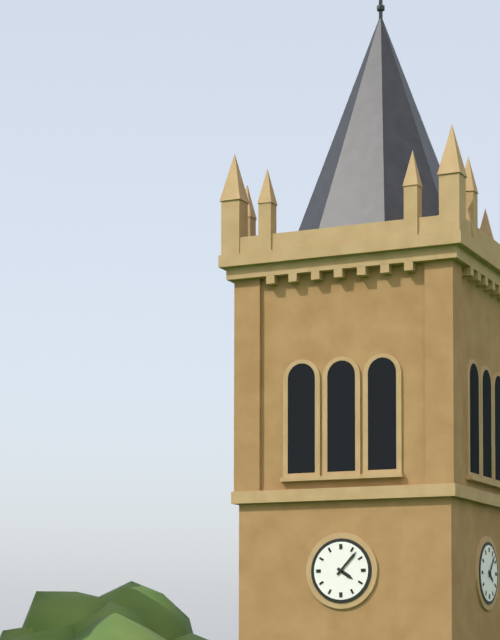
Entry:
4.07
